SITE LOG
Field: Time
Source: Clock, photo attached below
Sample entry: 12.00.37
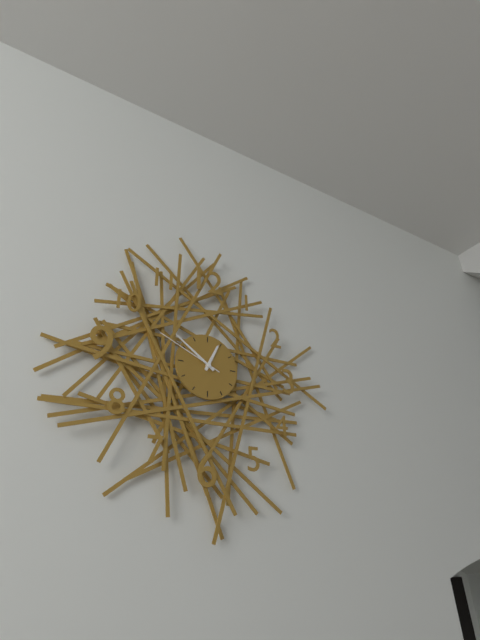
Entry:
12.51.49
